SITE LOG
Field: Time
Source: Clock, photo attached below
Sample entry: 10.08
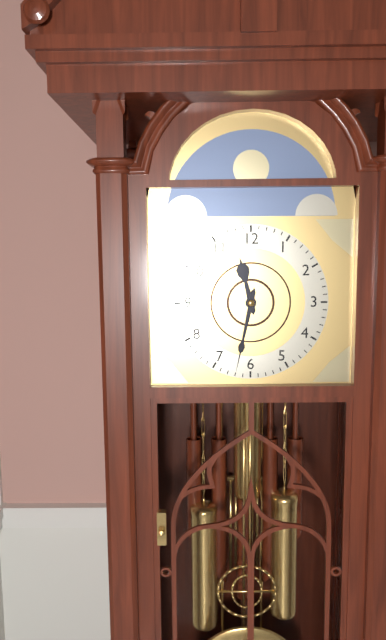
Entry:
11.32
